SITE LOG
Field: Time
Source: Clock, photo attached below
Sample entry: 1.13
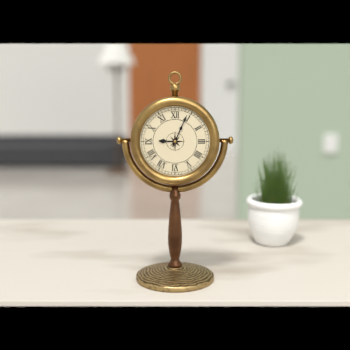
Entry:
9.04
